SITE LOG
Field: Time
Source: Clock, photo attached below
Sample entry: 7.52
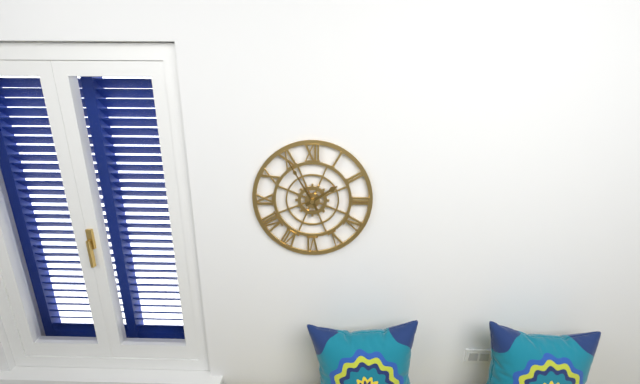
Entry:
1.55
